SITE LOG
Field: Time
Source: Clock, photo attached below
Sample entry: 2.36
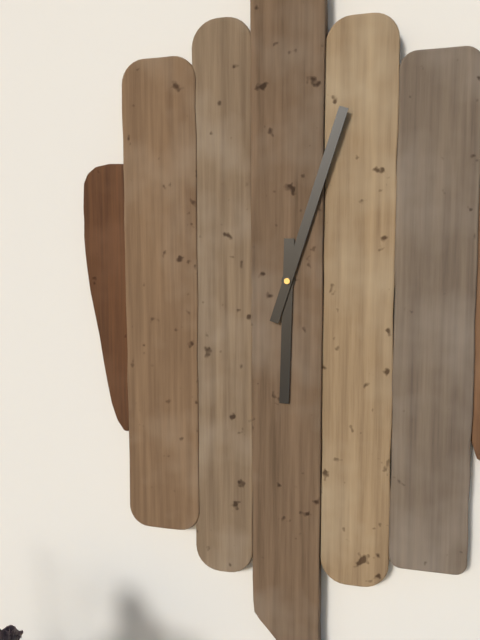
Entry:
6.03
